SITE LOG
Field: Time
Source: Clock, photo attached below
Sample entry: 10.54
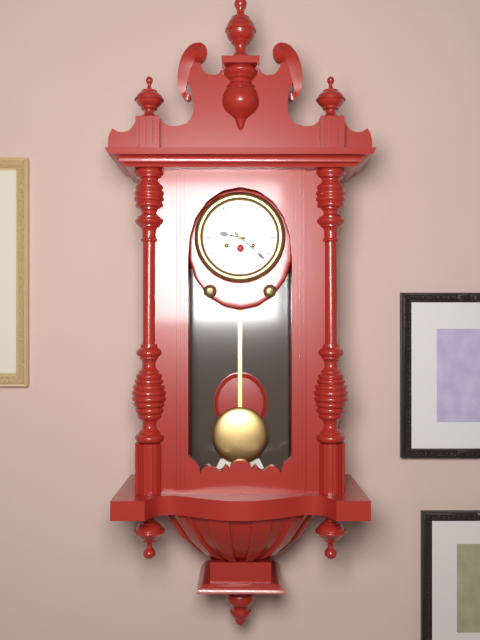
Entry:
9.22
